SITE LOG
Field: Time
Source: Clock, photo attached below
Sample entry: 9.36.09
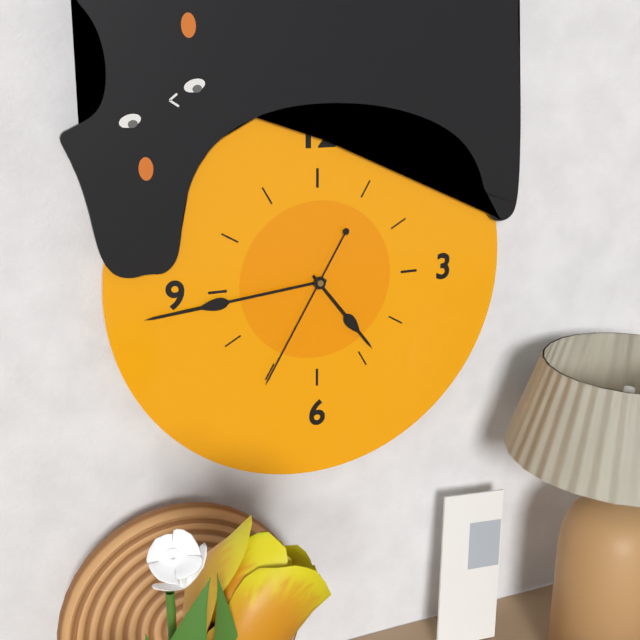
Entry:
4.44.35
